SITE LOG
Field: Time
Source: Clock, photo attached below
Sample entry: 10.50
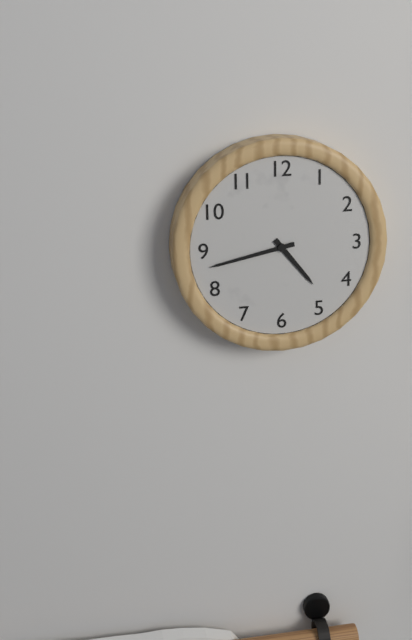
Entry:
4.43
